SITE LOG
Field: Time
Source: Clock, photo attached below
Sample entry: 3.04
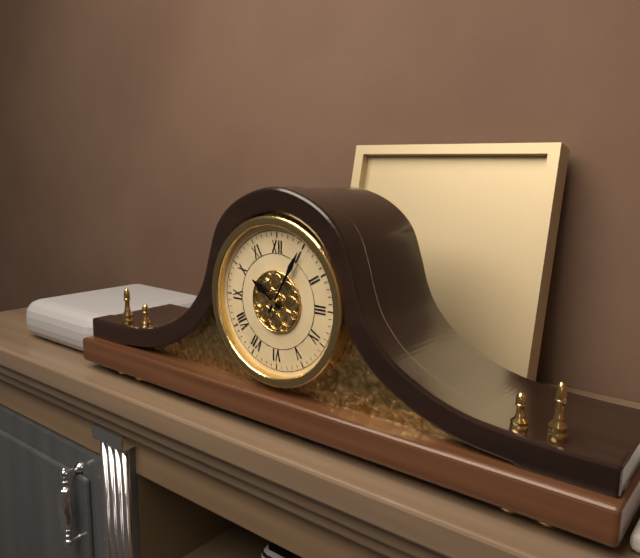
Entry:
10.05
